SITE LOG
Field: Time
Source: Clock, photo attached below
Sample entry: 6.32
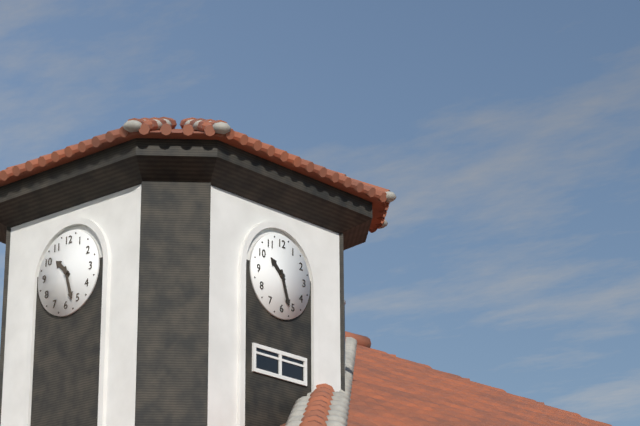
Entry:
10.27
